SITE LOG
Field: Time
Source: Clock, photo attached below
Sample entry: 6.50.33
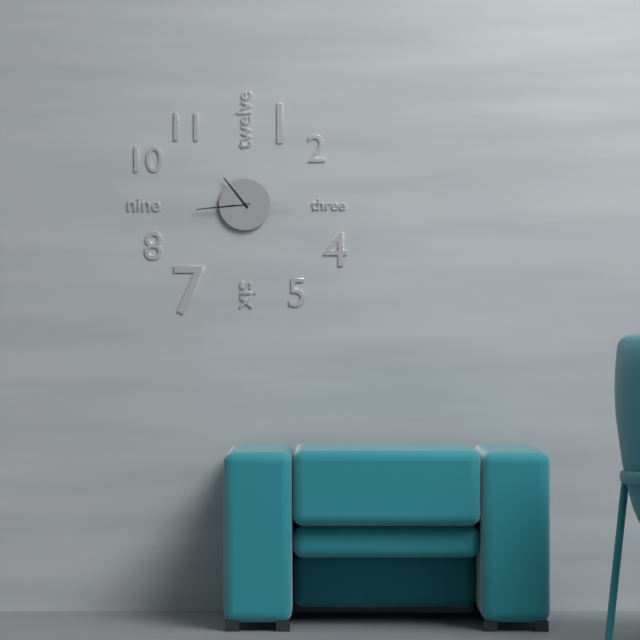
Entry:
10.44.15
